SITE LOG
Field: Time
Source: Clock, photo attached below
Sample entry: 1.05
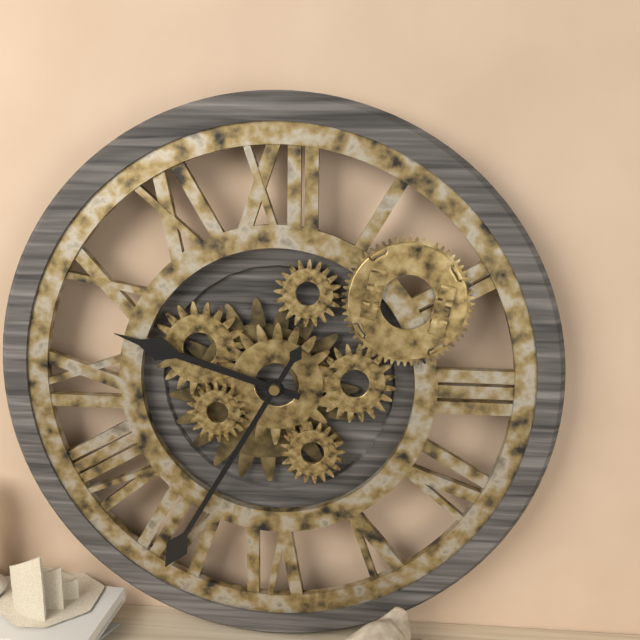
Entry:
9.35
